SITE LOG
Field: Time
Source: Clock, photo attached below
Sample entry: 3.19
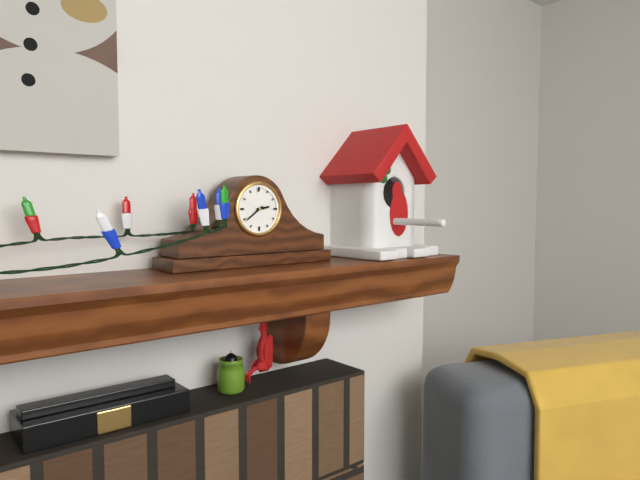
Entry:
2.39
